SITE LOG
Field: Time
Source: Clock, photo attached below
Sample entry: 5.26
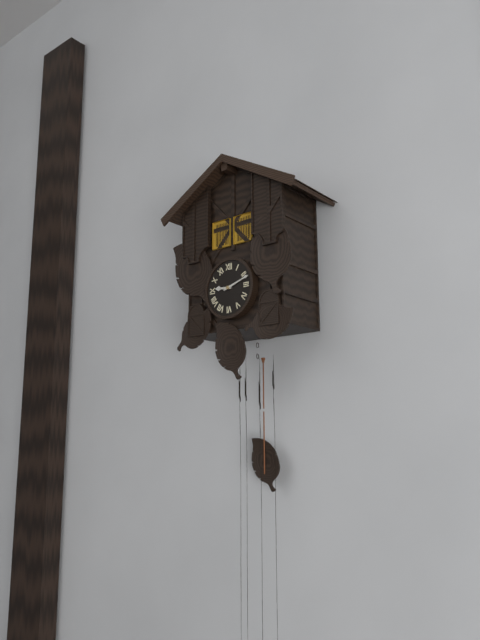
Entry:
9.12
